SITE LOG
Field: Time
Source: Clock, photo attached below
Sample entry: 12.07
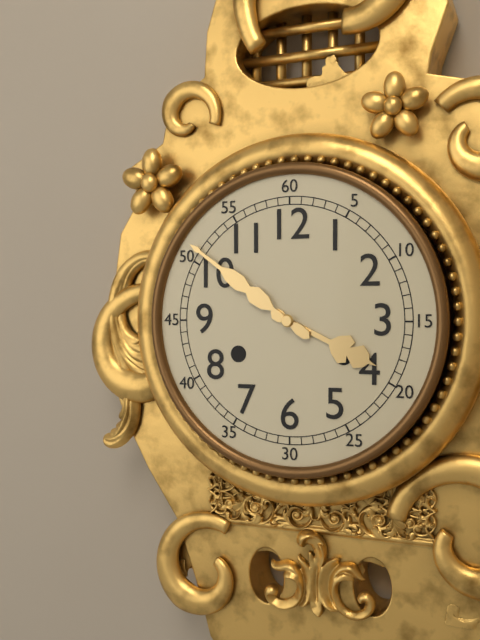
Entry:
3.51
